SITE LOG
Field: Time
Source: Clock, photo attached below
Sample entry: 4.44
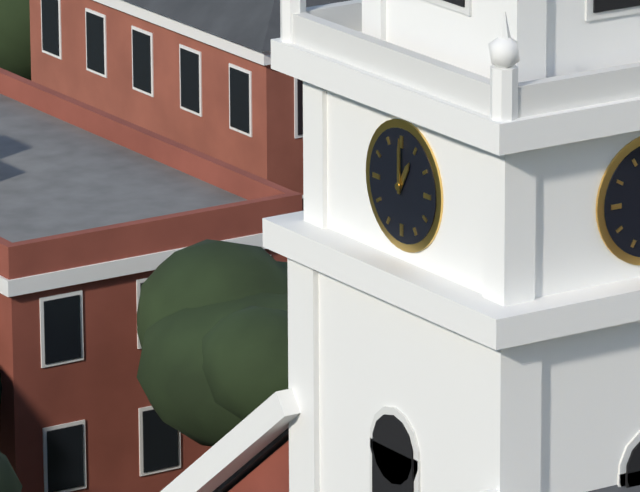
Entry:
1.00
